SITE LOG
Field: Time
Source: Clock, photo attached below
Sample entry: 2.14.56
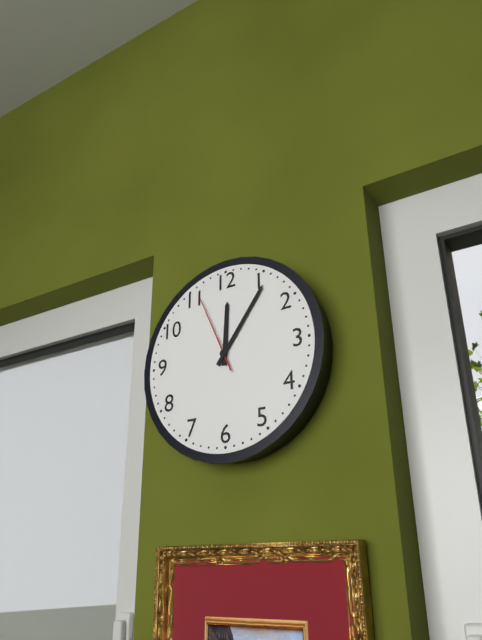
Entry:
12.06.56
